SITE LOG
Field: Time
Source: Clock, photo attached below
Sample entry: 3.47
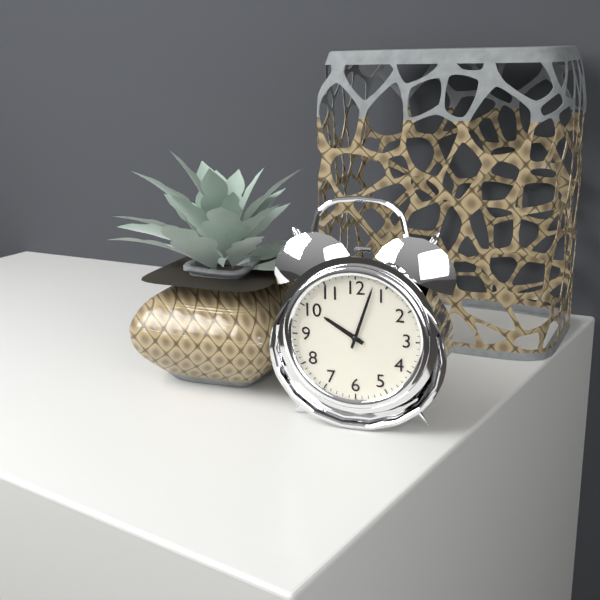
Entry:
10.03
